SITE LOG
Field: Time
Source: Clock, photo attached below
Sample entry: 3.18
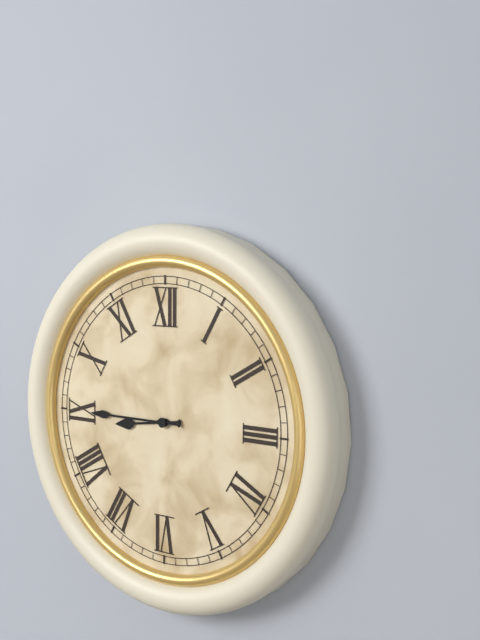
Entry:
8.45
